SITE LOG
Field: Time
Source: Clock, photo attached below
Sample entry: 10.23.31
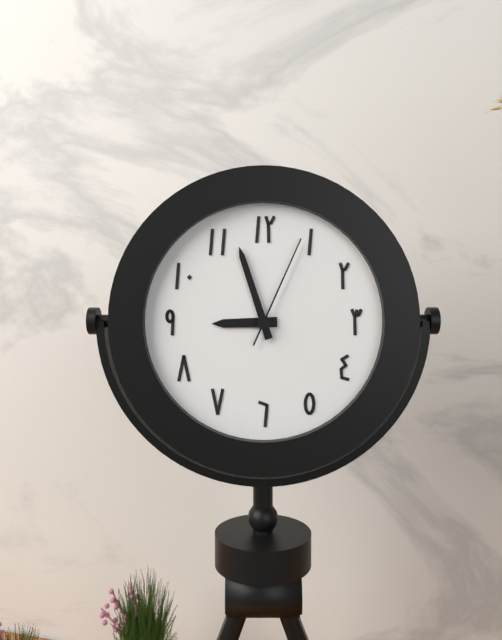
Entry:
8.57.04
